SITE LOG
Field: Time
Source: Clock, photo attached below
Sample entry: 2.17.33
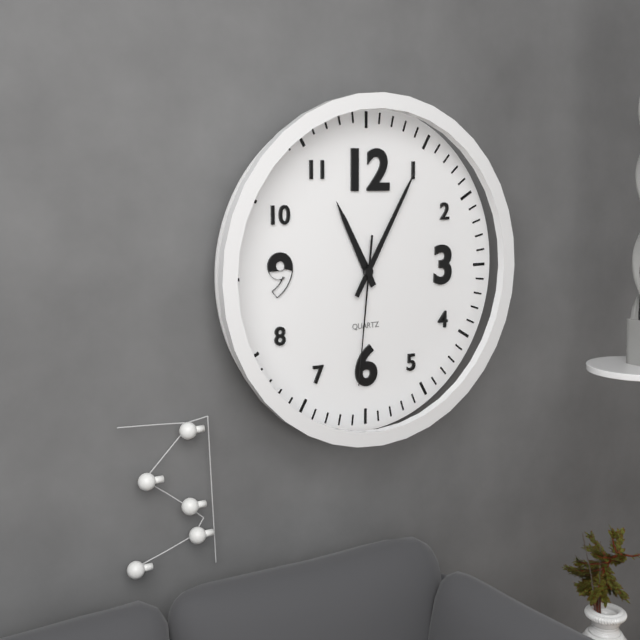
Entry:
11.05.31
